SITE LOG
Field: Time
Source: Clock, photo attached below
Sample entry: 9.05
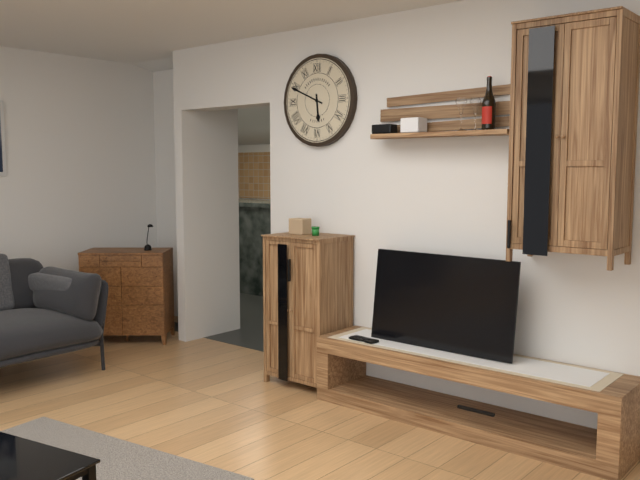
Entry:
5.49
